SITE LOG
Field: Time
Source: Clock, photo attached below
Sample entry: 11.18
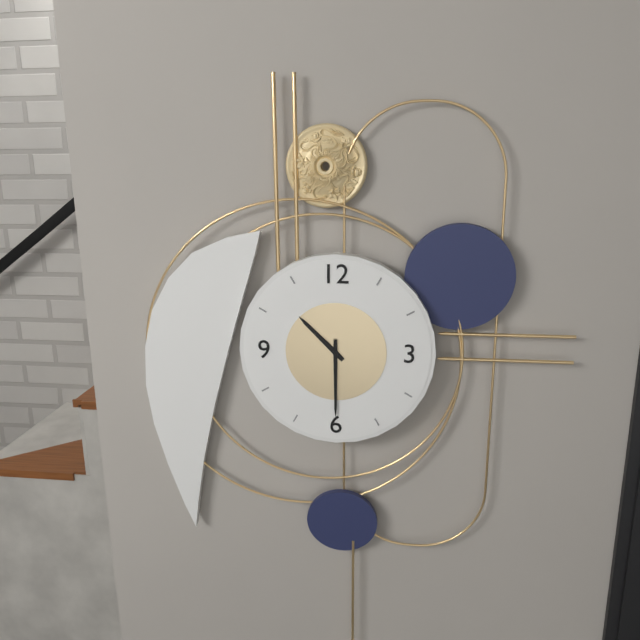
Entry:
10.30
